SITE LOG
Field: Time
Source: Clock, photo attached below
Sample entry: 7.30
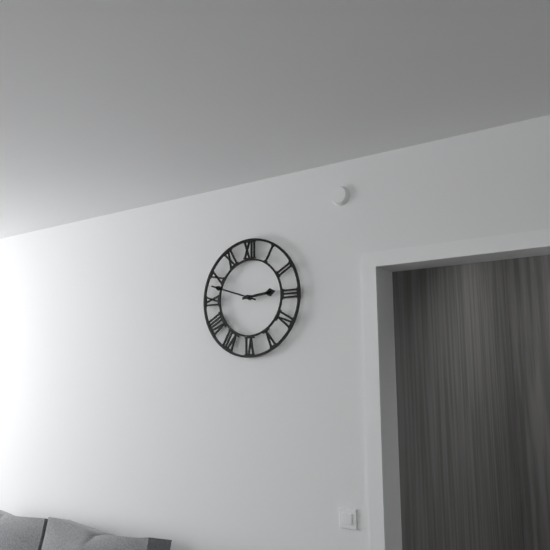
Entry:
2.48
